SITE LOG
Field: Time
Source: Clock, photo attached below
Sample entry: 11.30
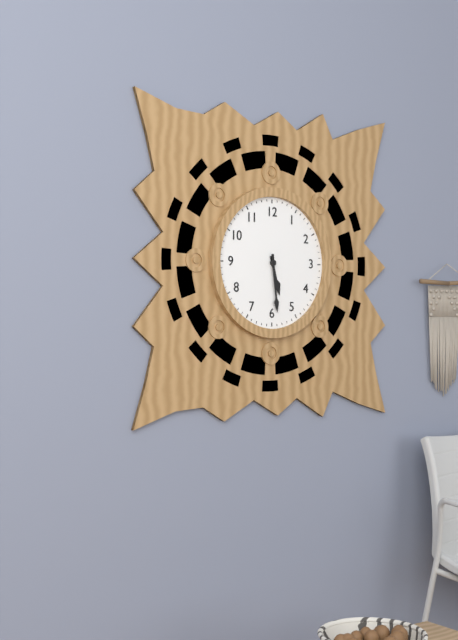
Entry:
5.29
